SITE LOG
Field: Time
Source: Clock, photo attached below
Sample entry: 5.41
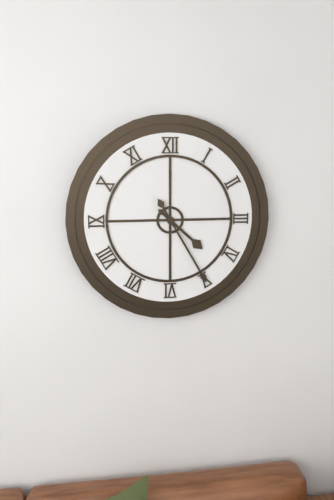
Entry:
4.25
